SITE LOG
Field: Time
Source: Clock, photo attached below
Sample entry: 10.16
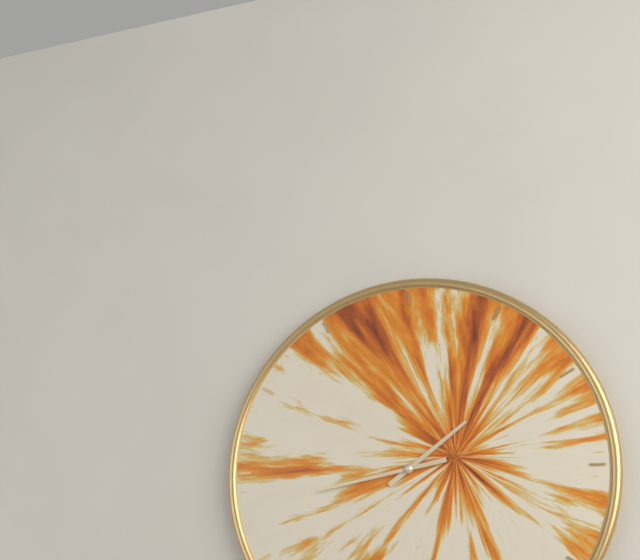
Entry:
1.43
